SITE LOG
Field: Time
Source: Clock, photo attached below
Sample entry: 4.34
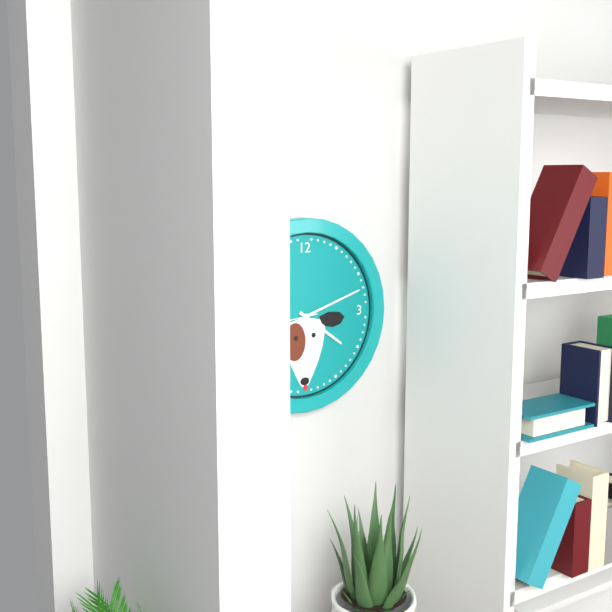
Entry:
4.12
